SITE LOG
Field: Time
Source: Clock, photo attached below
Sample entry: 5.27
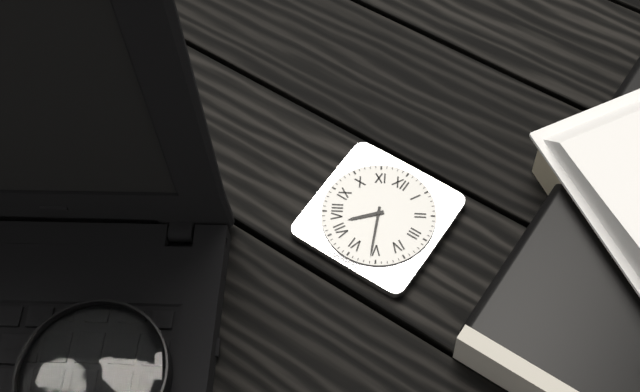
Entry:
7.26
